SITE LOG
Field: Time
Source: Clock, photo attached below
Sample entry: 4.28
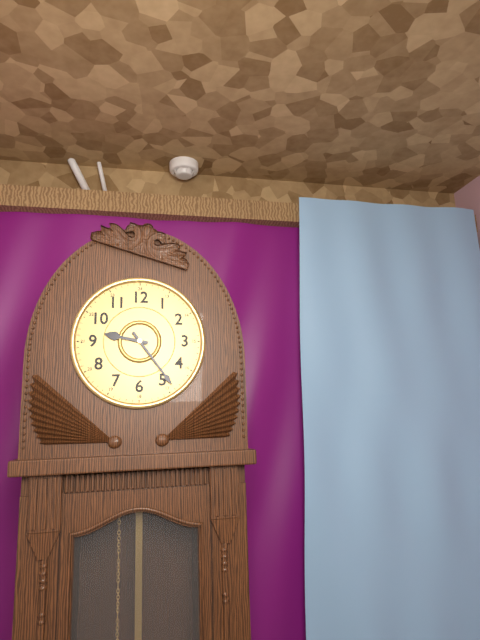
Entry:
9.24
